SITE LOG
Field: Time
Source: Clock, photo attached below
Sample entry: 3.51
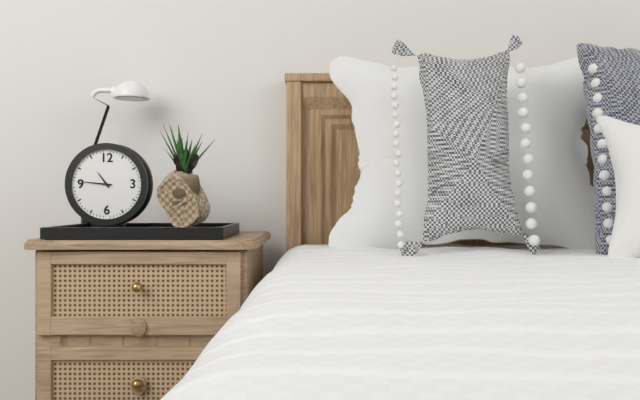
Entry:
10.46
